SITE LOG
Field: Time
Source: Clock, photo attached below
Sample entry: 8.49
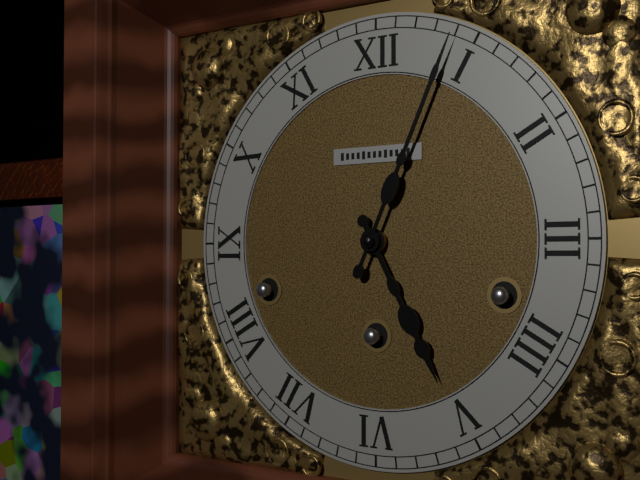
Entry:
5.04
